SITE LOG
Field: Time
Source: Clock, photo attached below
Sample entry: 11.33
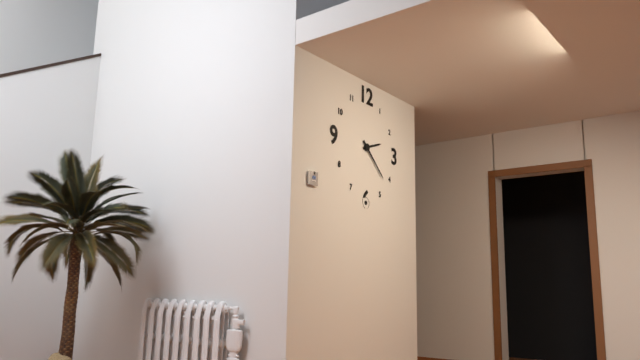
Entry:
2.22
